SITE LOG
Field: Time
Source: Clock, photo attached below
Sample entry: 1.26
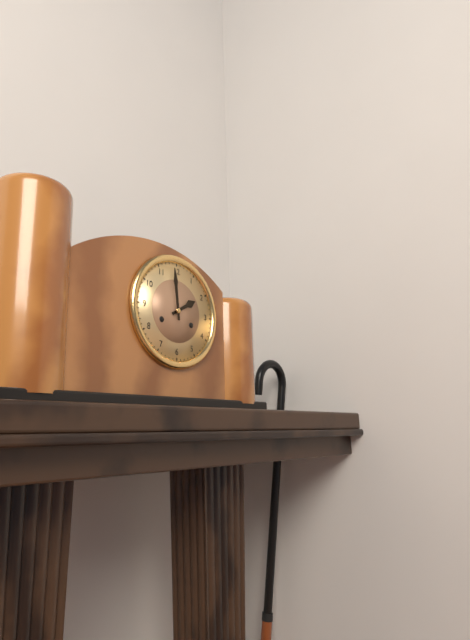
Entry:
1.59
